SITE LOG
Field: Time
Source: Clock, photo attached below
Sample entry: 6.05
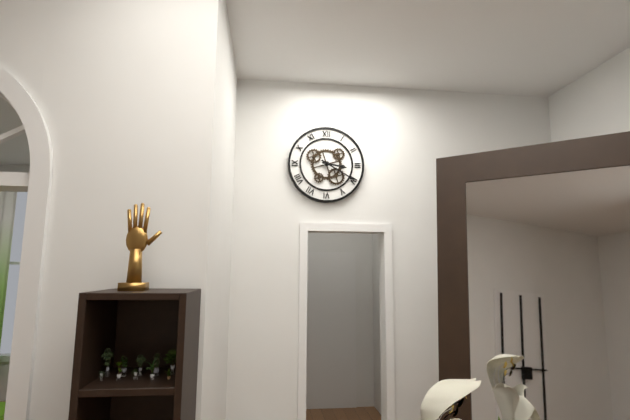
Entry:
3.20
